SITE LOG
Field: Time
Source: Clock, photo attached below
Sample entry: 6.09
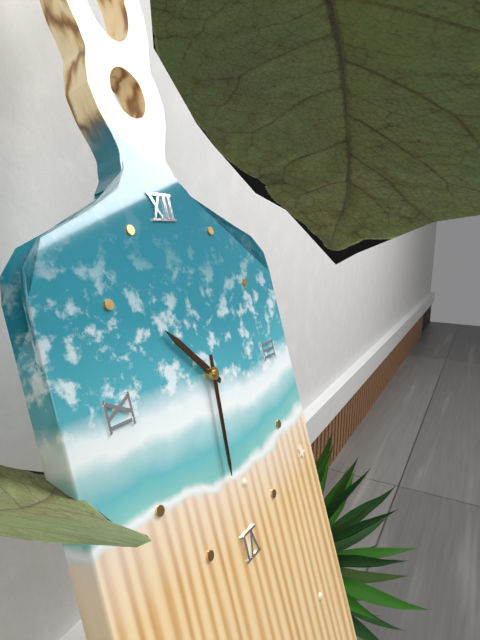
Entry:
10.31
